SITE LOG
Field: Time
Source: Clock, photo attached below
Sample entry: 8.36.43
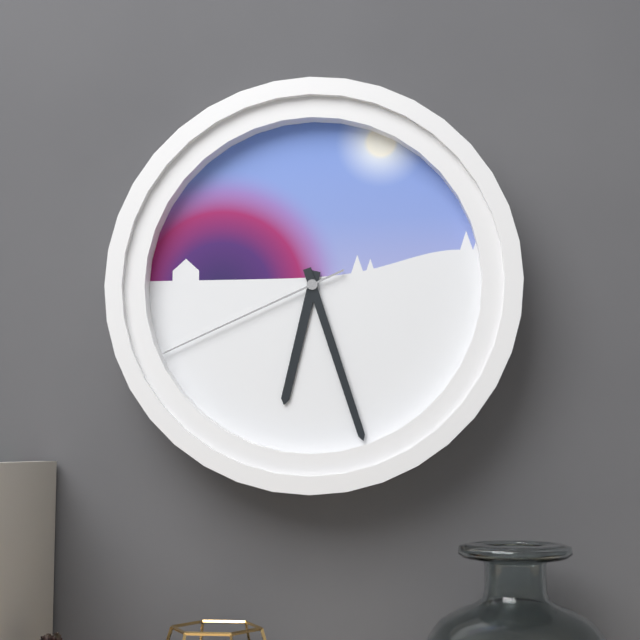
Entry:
6.27.41
